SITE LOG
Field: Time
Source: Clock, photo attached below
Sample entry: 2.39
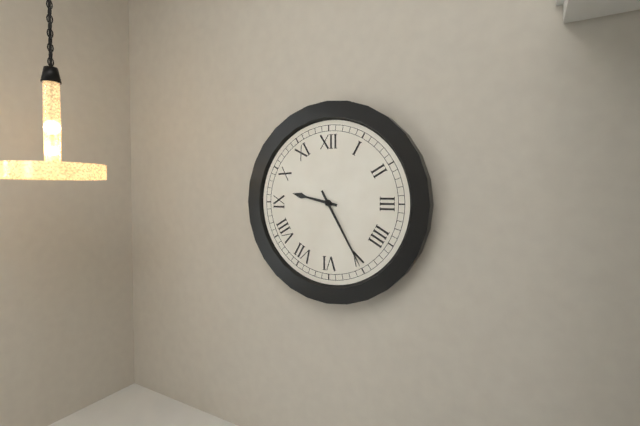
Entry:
9.25
